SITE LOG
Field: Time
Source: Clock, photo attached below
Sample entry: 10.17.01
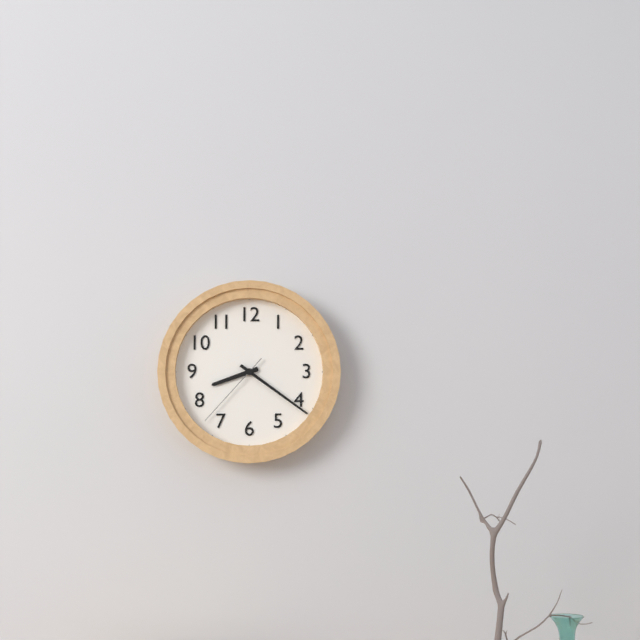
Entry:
8.21.37
